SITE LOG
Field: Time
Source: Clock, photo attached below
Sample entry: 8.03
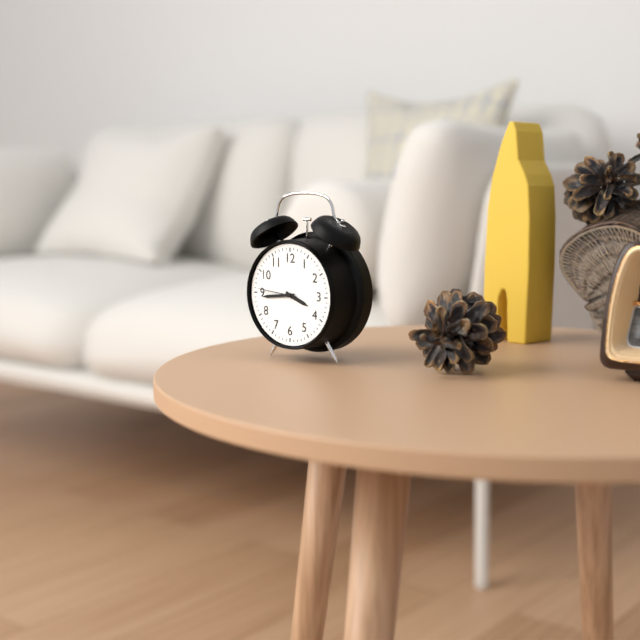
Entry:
3.44
